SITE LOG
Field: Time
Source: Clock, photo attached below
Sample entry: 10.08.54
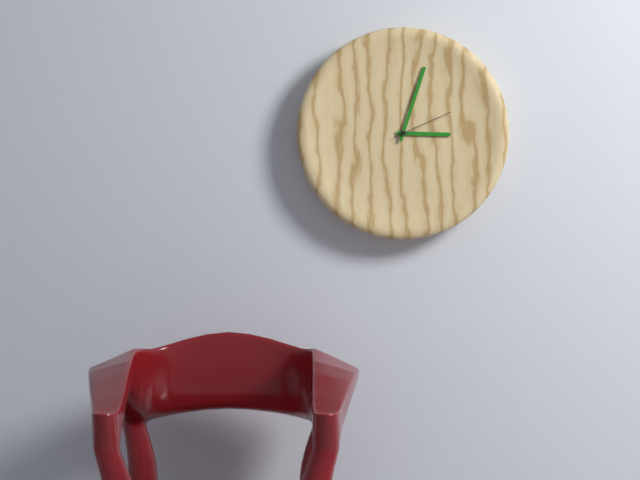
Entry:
3.03.11
